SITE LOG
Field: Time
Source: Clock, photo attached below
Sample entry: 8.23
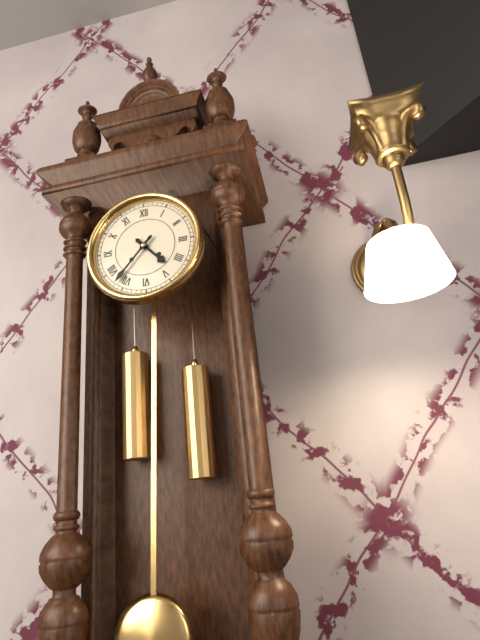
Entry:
4.37
